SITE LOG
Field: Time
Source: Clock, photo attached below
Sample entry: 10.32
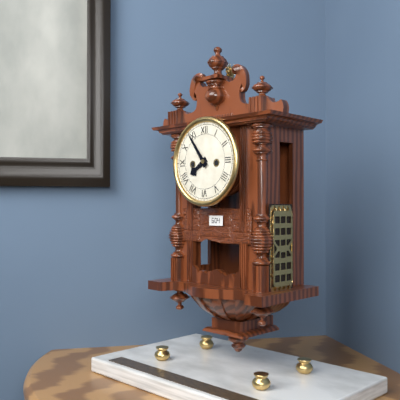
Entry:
7.54
